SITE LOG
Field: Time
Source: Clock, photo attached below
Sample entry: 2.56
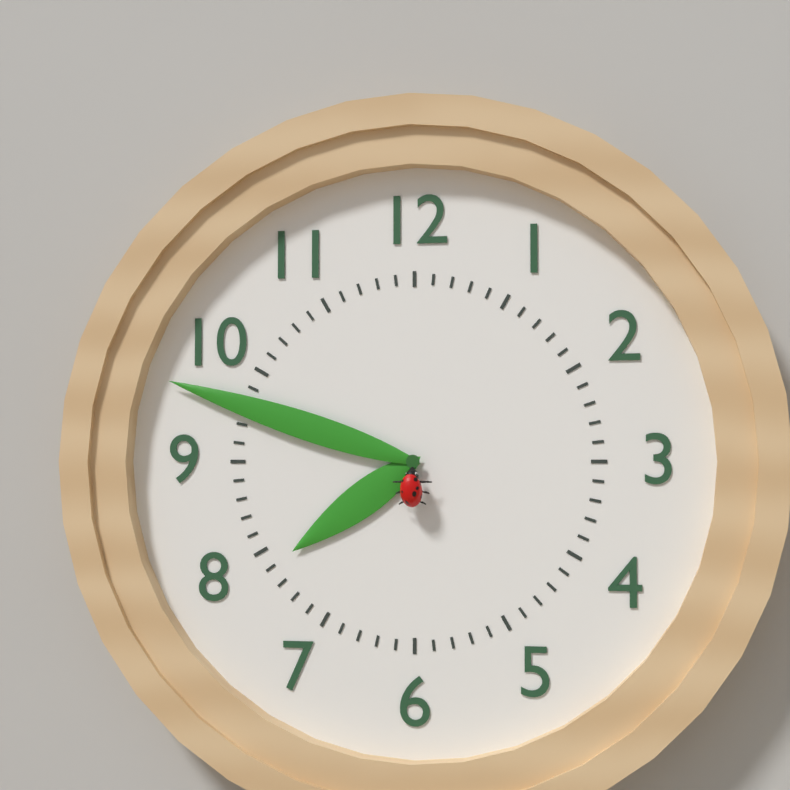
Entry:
7.48
